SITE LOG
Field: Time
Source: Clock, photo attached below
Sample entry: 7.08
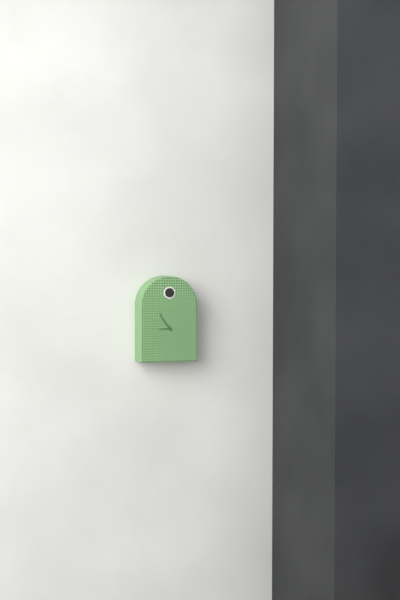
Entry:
8.54
